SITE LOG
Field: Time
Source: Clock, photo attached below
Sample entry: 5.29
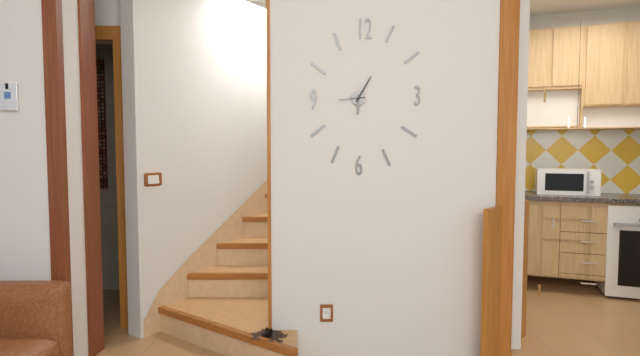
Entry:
6.05
